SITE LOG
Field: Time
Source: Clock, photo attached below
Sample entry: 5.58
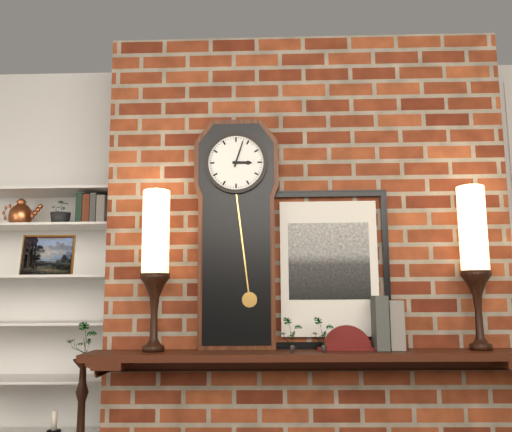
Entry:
3.03
